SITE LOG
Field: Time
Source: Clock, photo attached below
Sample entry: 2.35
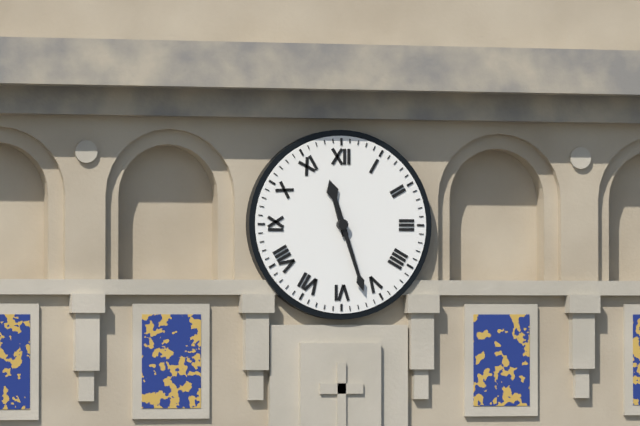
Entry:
11.27
